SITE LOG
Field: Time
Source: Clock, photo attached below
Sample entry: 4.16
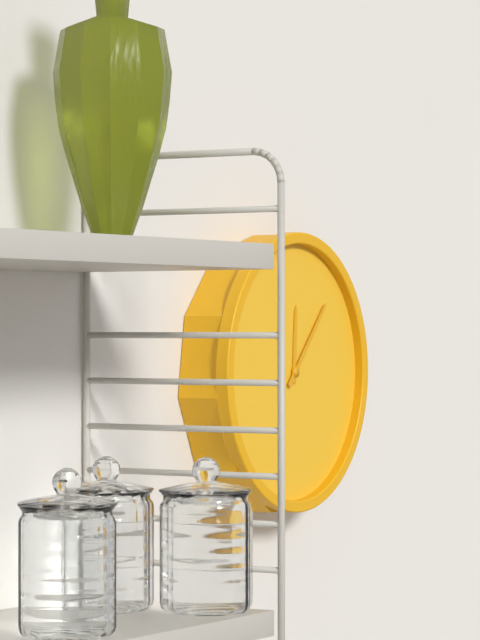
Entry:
12.07
